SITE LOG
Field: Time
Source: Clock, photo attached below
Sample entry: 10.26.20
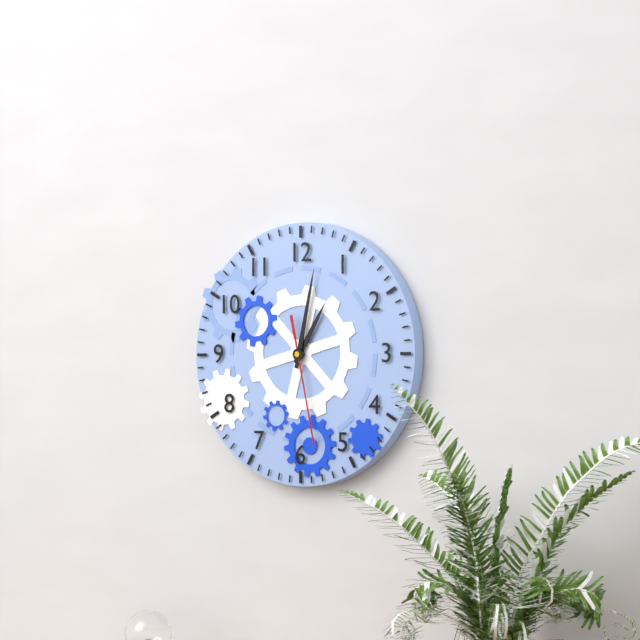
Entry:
1.02.28
